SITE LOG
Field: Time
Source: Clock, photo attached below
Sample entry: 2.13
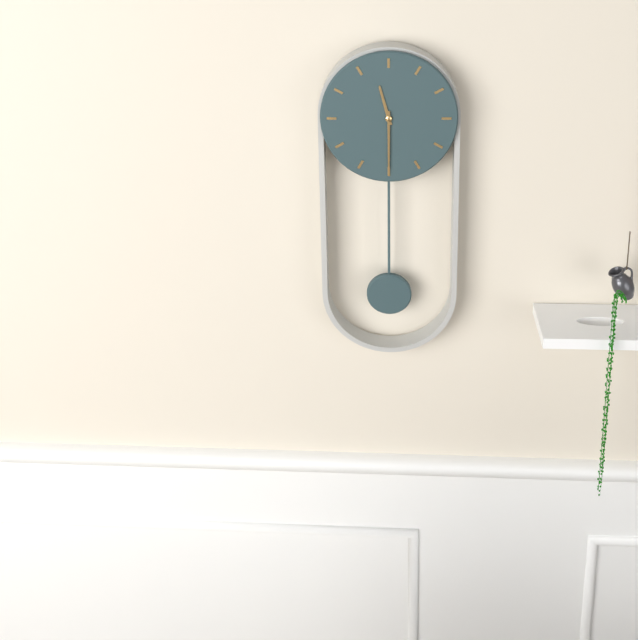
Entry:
11.30
